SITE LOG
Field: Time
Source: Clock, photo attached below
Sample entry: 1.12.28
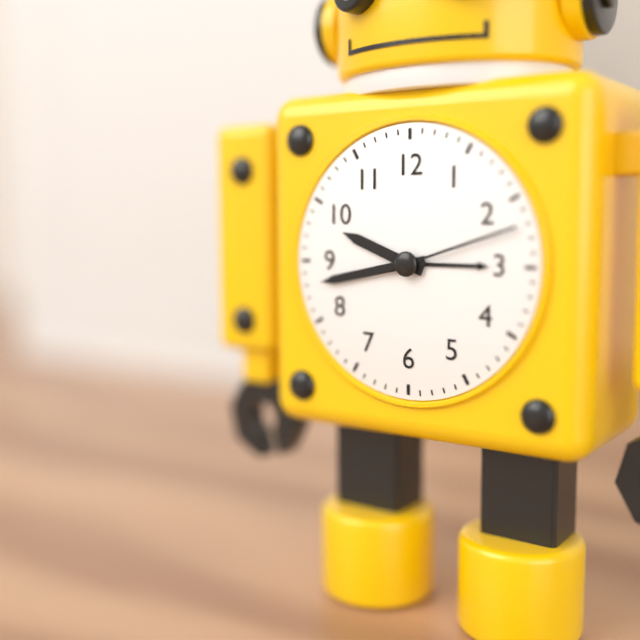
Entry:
9.43.12
